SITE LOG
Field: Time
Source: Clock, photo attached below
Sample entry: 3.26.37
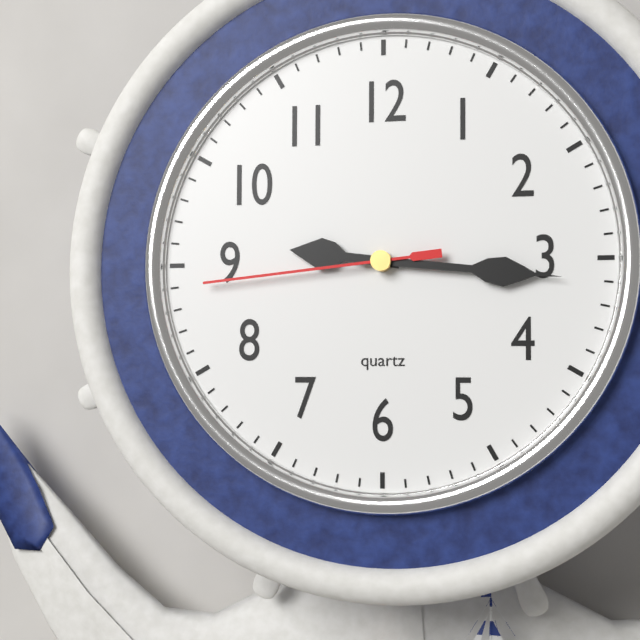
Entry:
9.16.44
